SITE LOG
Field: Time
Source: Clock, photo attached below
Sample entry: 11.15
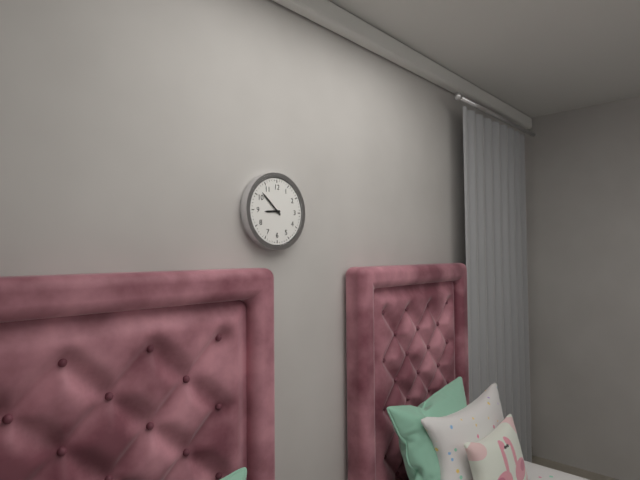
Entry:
8.52
